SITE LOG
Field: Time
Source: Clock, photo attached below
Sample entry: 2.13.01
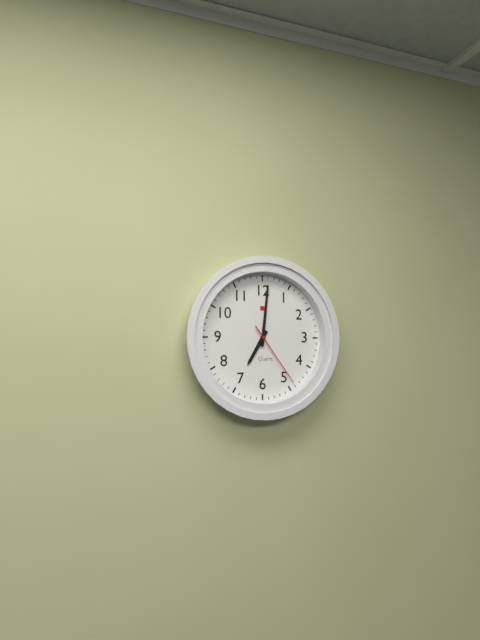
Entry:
7.01.24
